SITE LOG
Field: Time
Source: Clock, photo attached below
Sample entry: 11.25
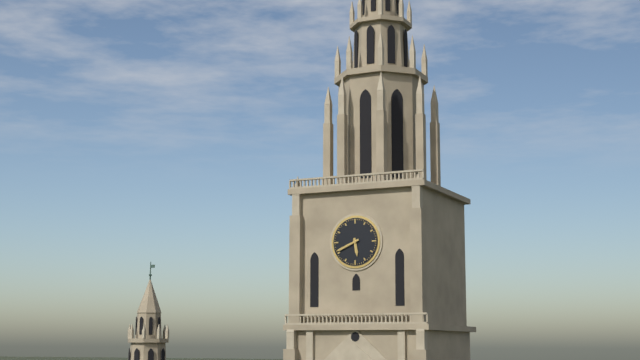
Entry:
5.41
